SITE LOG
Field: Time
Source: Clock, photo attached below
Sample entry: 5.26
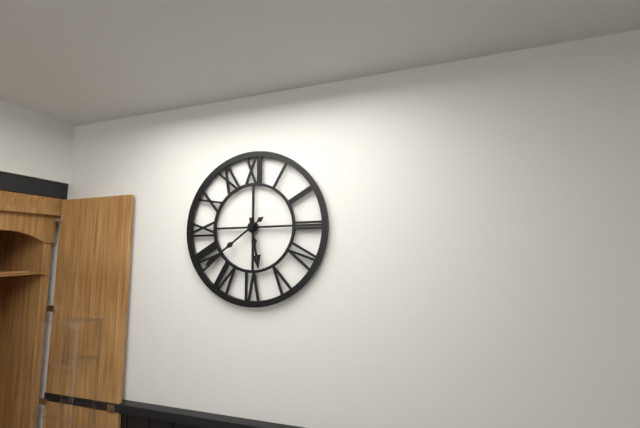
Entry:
5.39
